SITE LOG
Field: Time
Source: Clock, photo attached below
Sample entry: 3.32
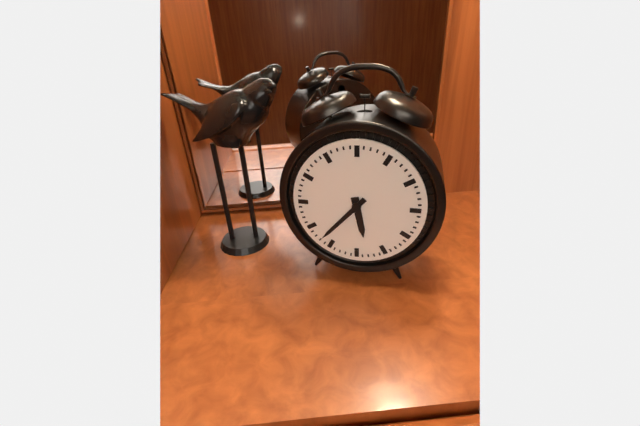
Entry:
5.37
